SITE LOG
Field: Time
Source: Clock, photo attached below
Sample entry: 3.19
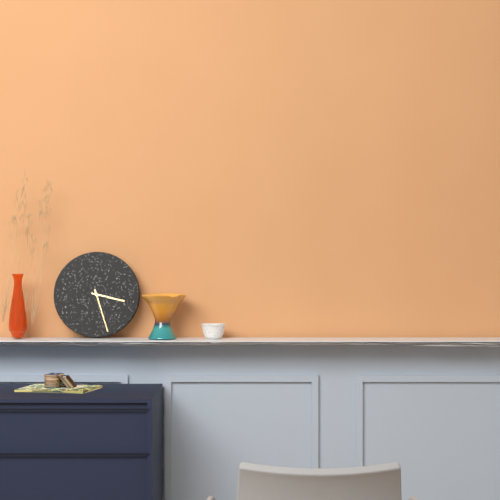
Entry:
3.27
